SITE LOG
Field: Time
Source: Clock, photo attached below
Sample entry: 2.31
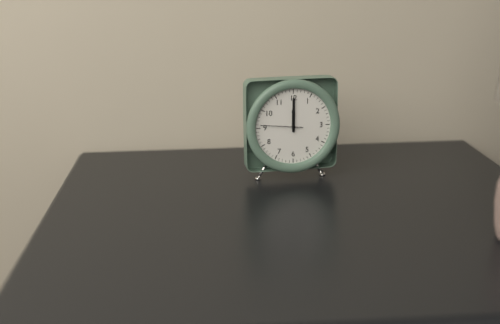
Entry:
12.00
